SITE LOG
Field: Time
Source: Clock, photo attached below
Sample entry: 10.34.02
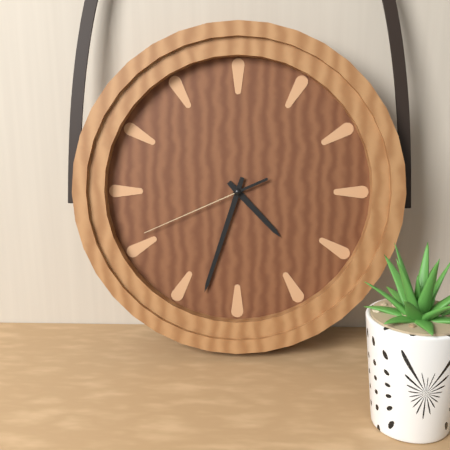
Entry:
4.33.41
